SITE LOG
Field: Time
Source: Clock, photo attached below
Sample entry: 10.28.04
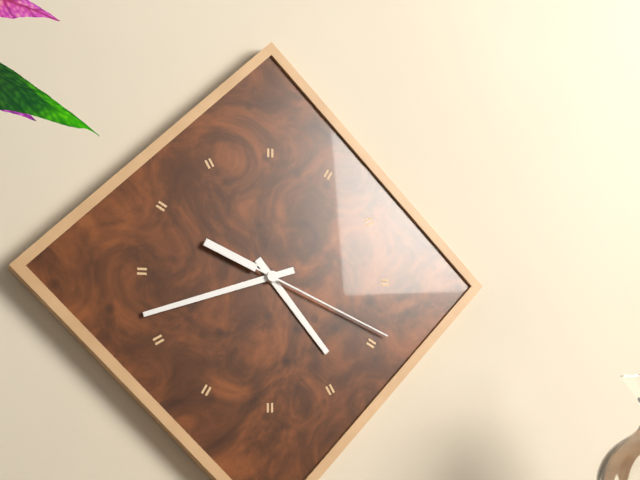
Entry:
4.42.19
